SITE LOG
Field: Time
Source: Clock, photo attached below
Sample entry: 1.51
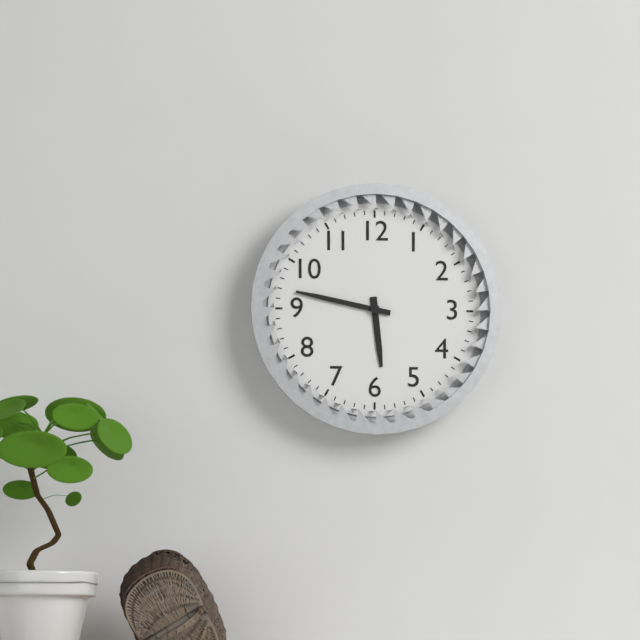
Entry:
5.47
